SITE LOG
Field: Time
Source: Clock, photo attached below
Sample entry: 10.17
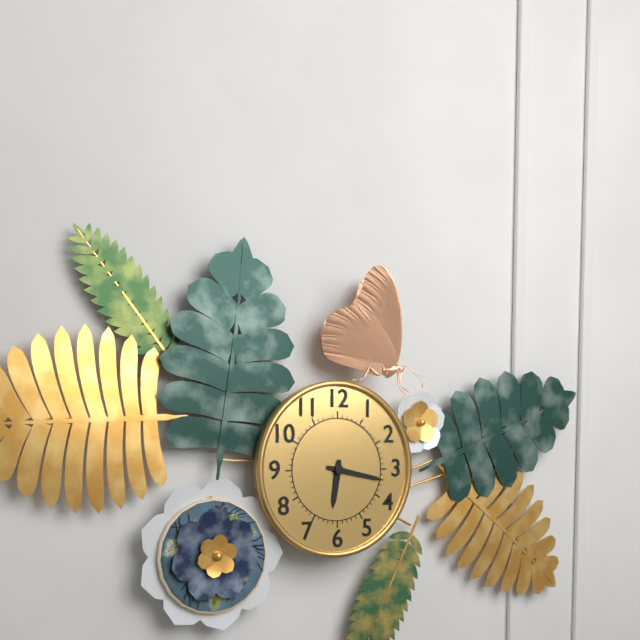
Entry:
6.17
